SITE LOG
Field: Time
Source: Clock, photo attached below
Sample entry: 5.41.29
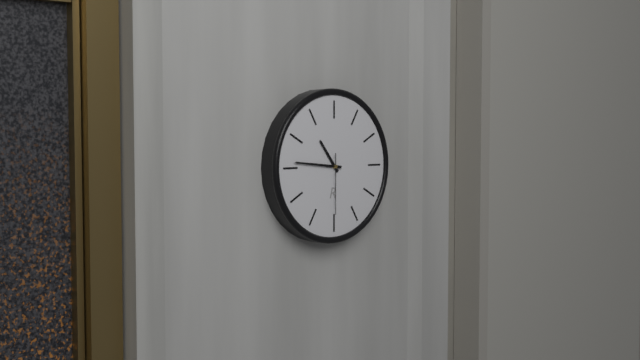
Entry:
10.46.30
